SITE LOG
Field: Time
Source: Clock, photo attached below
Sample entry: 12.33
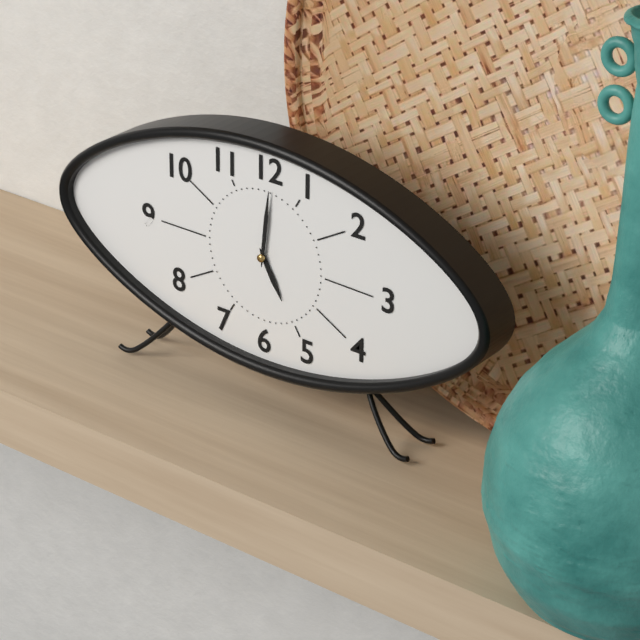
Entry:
5.01
